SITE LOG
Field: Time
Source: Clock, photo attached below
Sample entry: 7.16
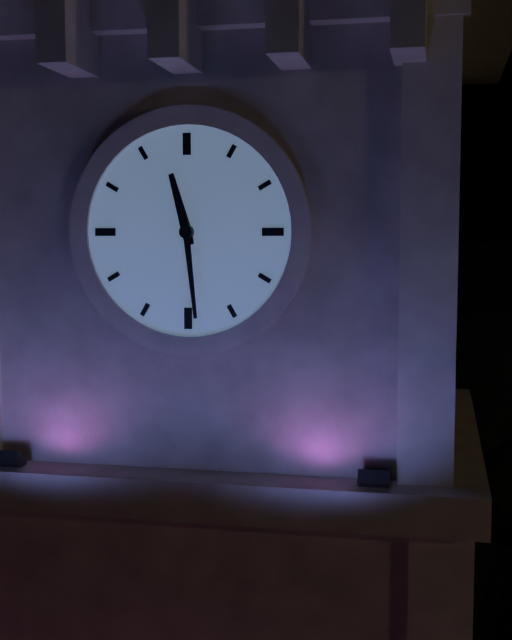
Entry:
11.29
